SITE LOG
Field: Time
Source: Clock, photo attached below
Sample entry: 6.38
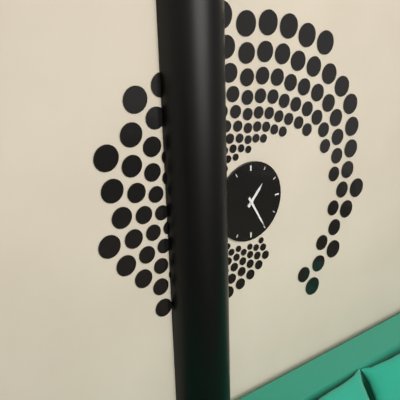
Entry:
1.25
